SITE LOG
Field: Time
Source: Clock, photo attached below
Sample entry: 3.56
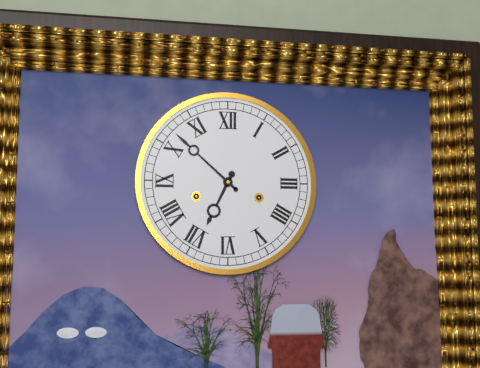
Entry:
6.52
